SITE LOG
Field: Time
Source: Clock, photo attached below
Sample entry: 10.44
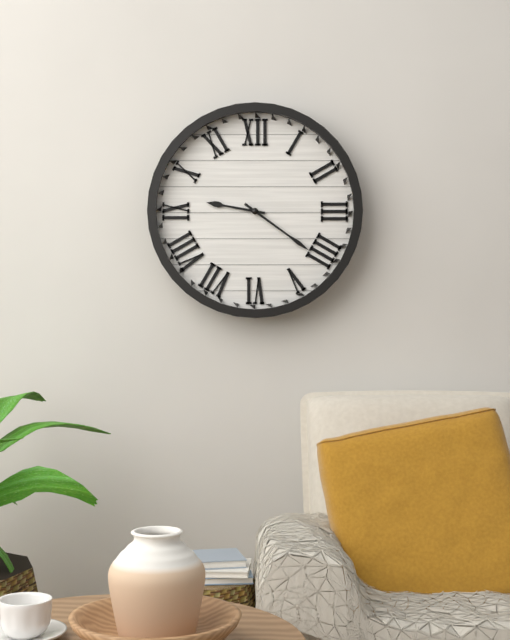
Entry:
9.21
